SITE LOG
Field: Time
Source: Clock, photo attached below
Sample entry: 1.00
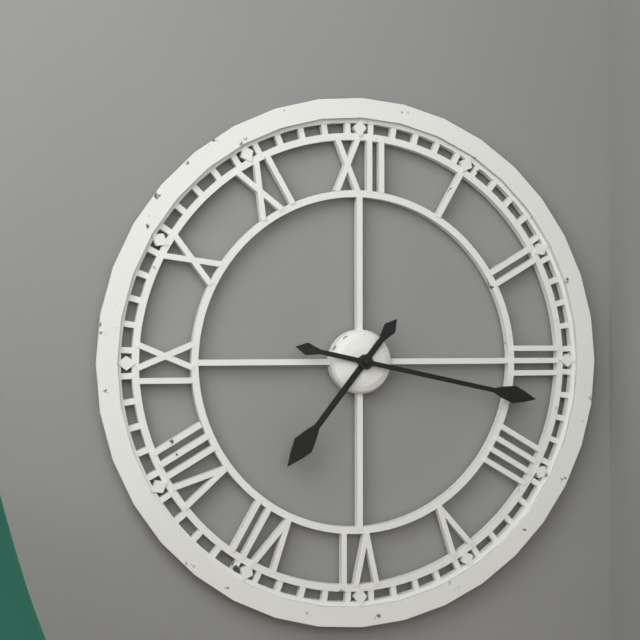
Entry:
7.17
